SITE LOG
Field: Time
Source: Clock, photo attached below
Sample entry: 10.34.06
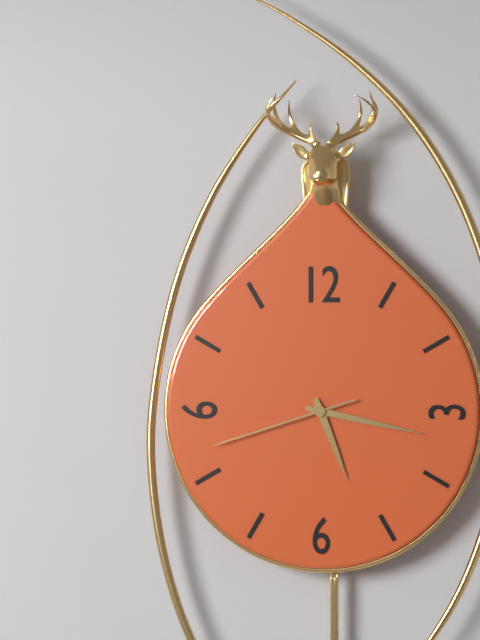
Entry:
5.17.42
